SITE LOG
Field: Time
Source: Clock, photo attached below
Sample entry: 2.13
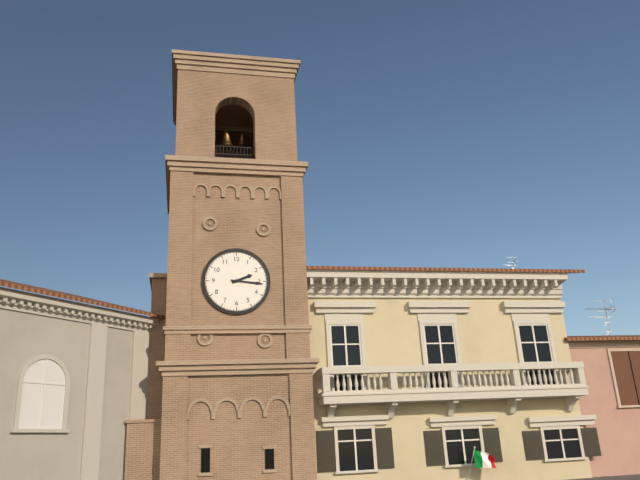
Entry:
2.16
